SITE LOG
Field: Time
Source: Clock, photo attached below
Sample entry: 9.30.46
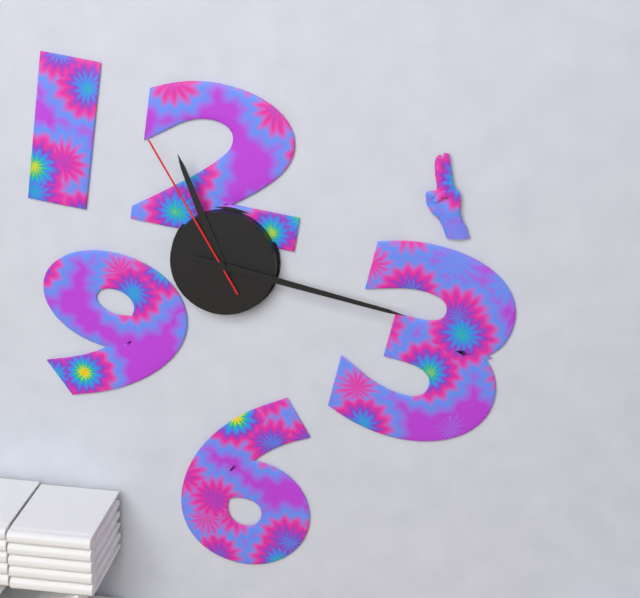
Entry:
11.17.55
